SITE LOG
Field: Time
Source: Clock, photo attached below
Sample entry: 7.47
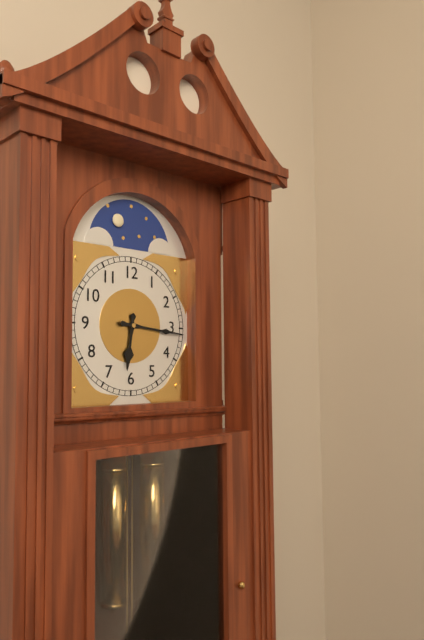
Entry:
6.16
